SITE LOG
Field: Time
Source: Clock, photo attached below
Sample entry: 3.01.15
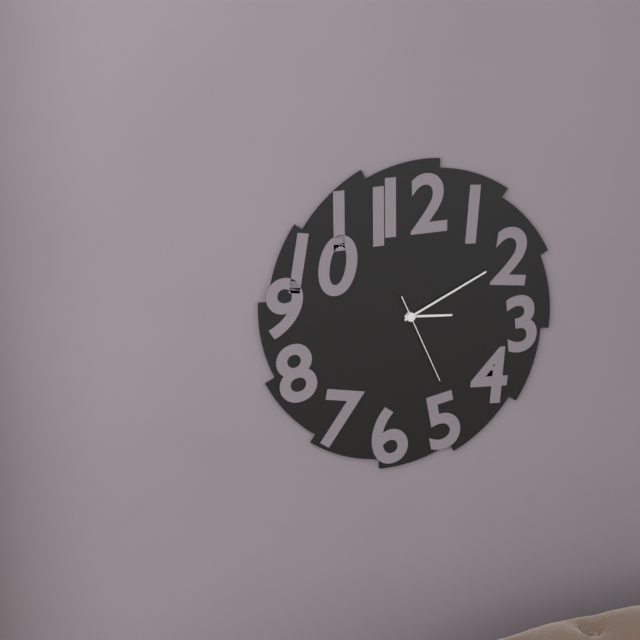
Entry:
3.11.26
